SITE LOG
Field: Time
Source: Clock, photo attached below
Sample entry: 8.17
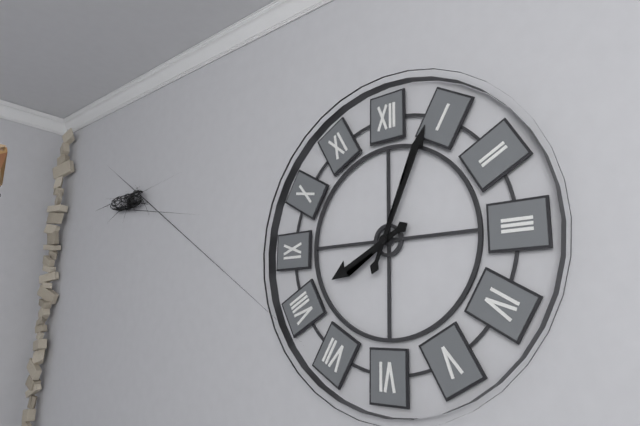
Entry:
8.04
